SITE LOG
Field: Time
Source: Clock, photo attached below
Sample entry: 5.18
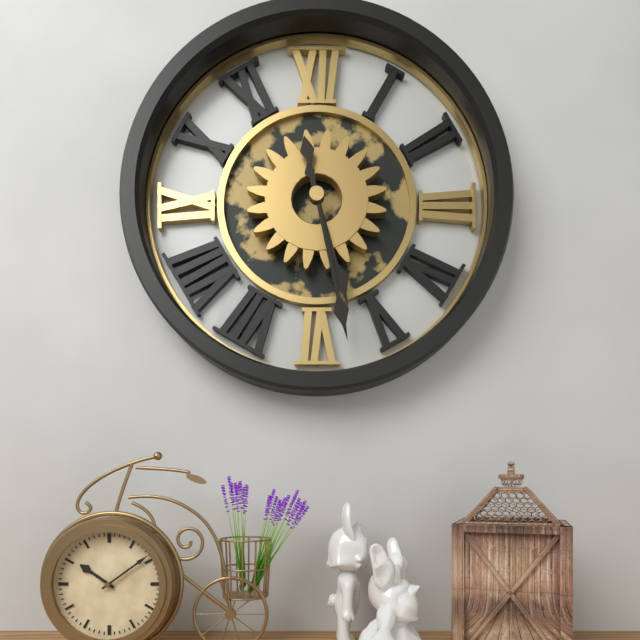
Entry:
5.28
